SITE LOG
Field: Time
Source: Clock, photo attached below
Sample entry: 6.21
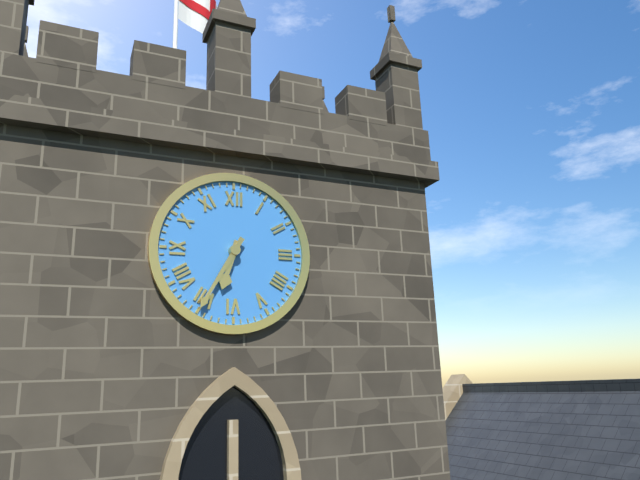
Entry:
6.35
